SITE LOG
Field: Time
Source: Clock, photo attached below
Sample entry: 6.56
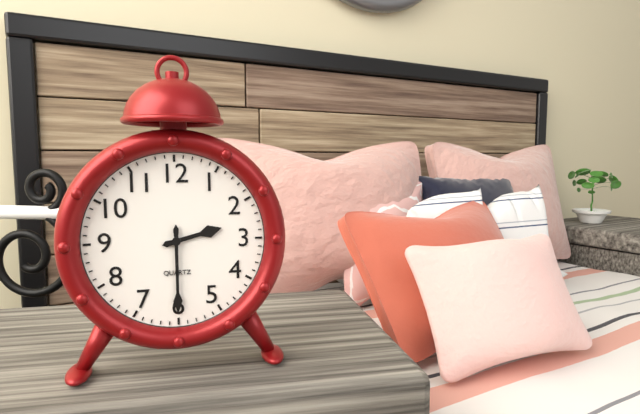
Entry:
2.30
